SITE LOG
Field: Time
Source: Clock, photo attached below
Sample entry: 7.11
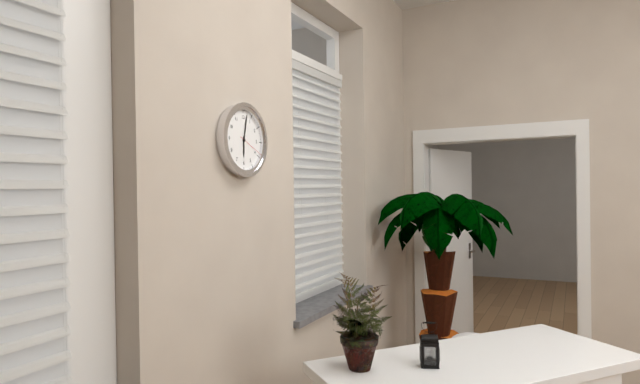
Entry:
6.02
